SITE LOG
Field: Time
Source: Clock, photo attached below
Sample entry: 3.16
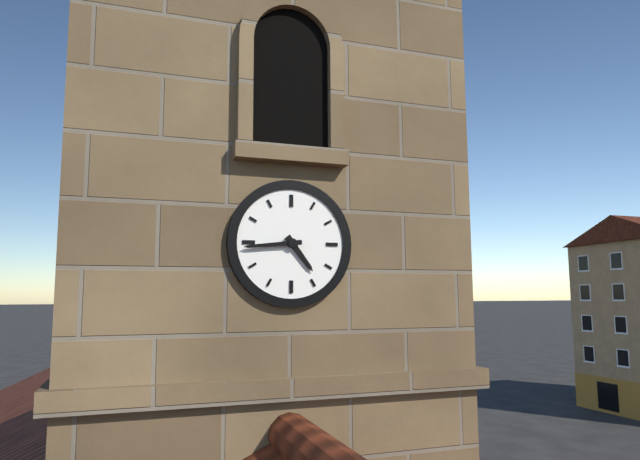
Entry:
4.44
